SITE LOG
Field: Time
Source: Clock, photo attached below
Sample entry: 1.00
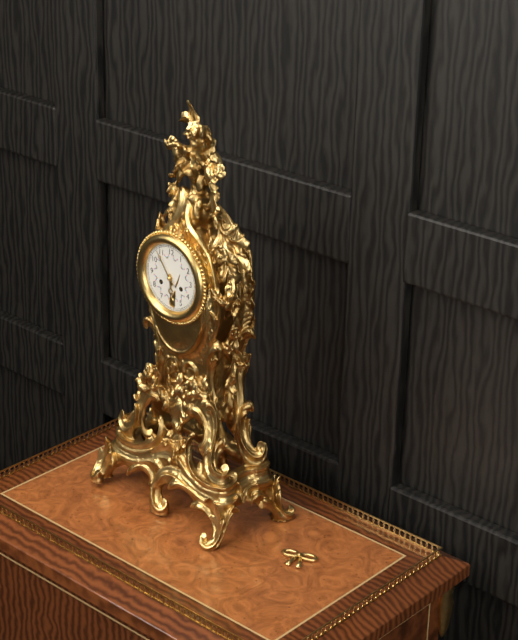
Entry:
5.54
